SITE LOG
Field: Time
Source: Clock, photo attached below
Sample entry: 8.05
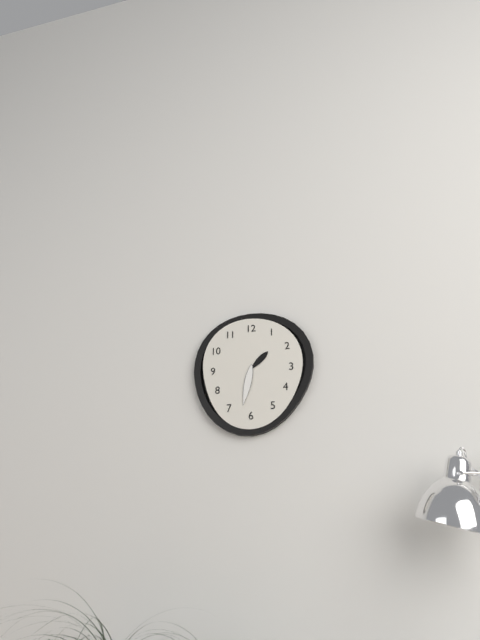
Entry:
1.32
